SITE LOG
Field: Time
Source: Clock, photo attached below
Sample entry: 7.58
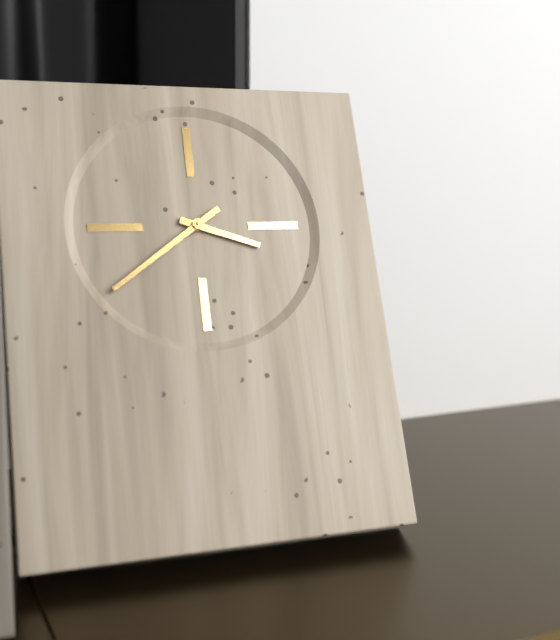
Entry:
3.39
